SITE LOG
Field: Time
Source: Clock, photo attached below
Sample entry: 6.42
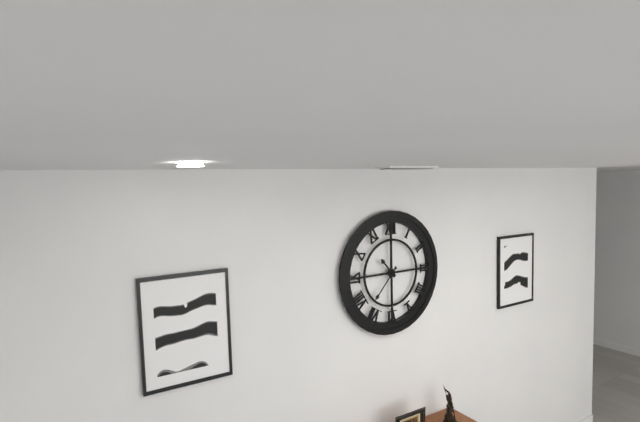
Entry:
10.37
